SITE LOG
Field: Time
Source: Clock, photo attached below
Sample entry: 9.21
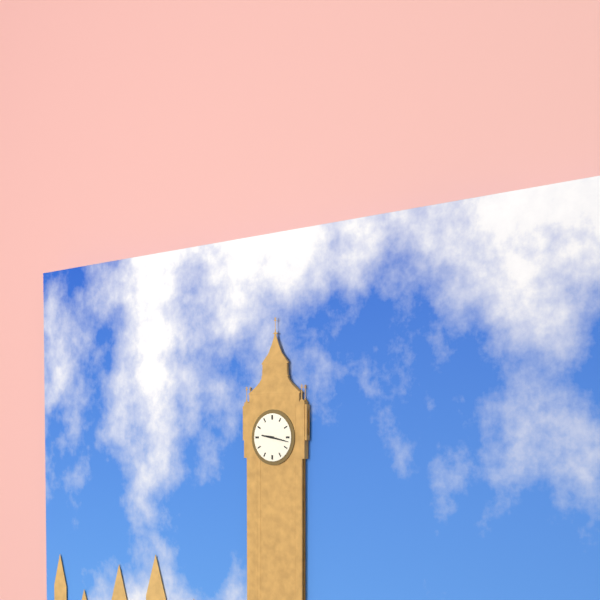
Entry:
9.17
